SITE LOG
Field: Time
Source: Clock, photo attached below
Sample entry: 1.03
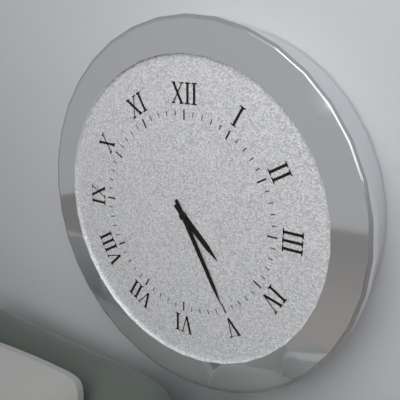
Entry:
4.25
